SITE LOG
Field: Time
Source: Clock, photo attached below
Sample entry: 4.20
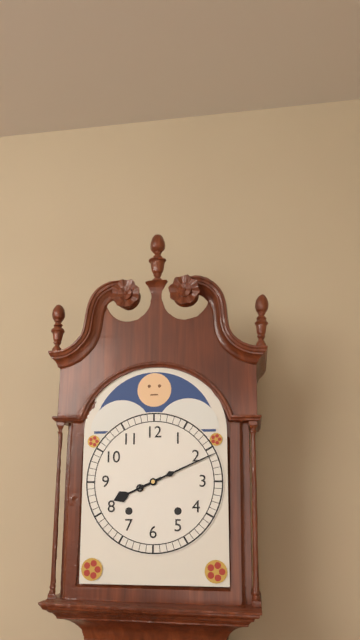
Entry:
8.11
